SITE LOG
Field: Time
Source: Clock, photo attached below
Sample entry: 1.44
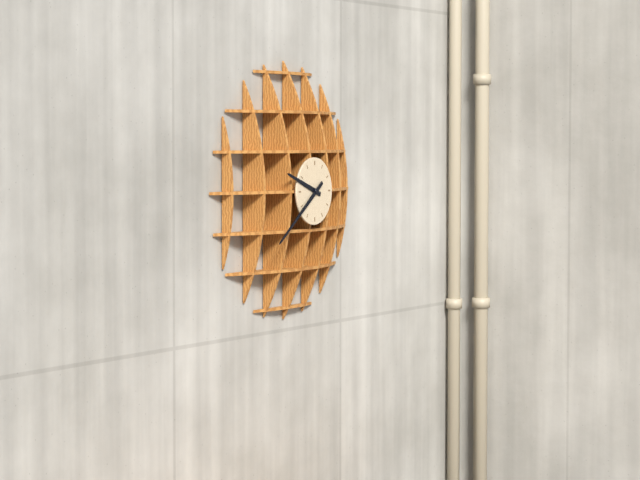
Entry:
9.39
